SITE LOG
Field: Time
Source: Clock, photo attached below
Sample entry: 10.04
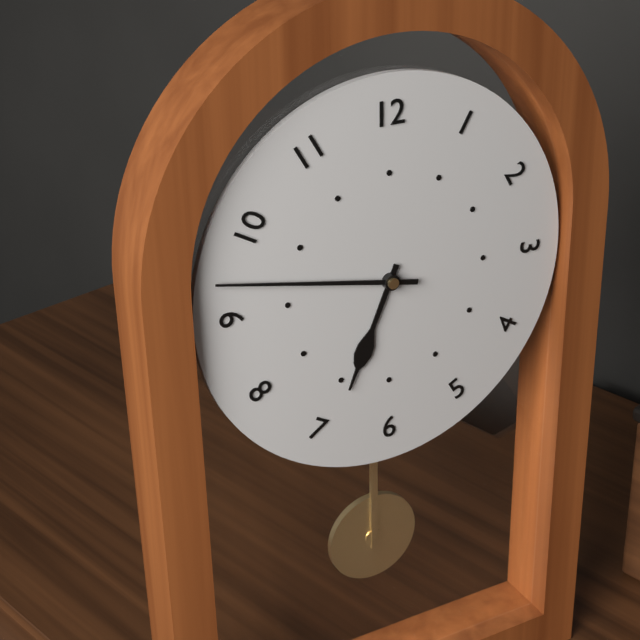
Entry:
6.47
